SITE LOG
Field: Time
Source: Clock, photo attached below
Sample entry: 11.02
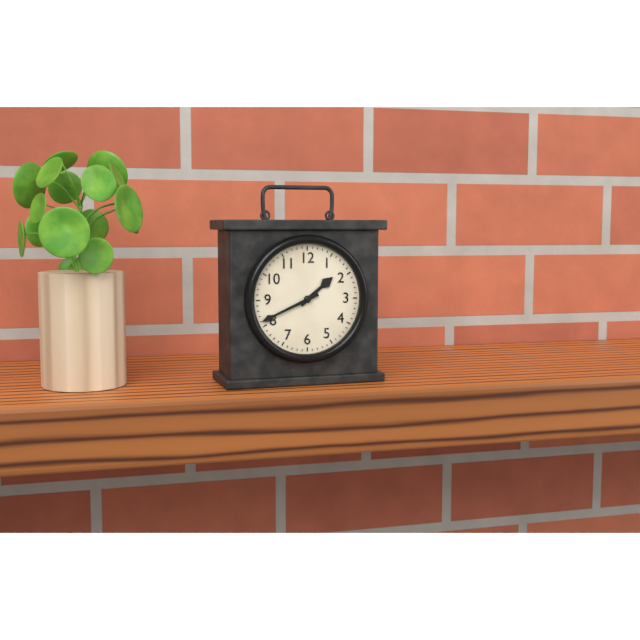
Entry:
1.41
